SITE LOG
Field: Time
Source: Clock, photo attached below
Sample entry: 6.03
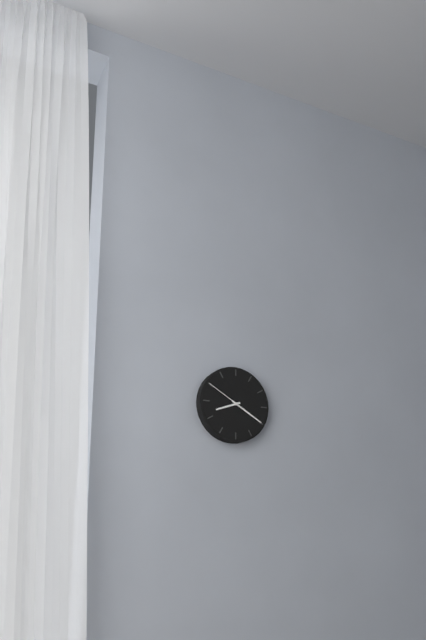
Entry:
8.20
